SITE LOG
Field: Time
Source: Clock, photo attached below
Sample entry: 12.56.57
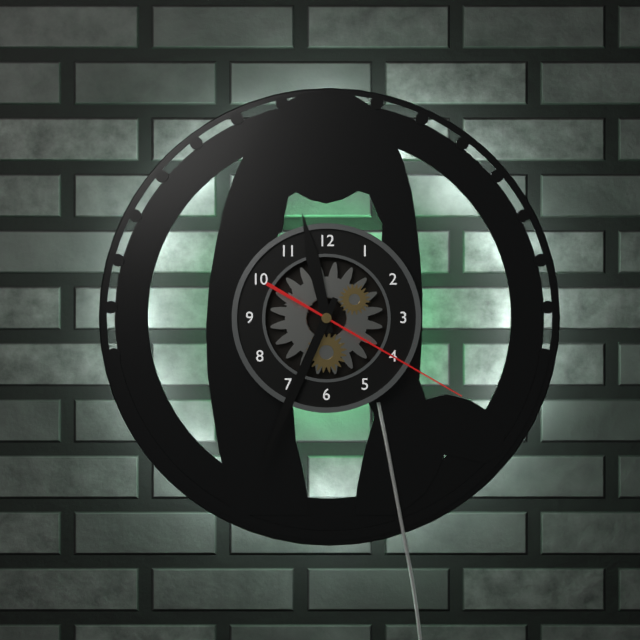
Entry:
11.34.20
